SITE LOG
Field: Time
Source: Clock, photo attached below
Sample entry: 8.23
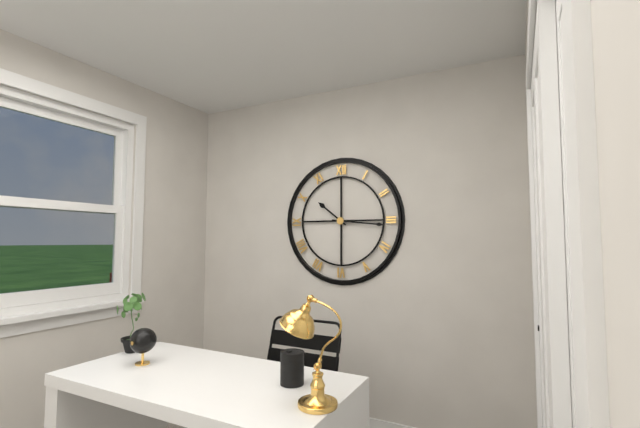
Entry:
10.16
